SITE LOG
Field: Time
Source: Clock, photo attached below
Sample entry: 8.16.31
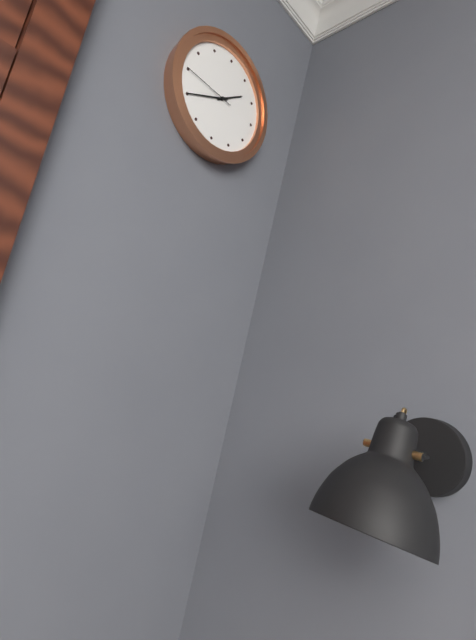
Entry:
1.40.45
